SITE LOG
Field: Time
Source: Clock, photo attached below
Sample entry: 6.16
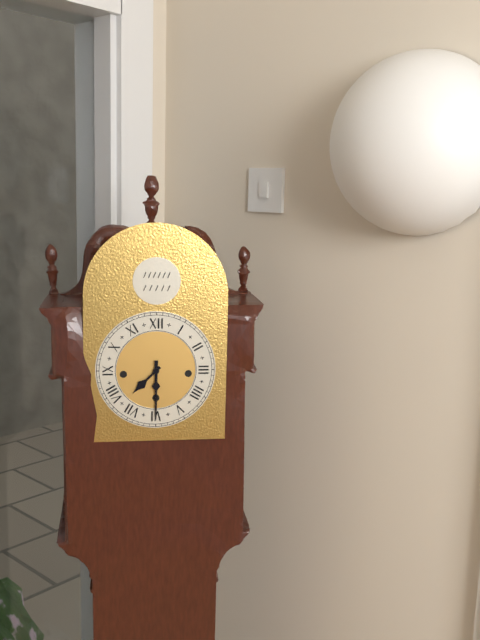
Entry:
7.30
